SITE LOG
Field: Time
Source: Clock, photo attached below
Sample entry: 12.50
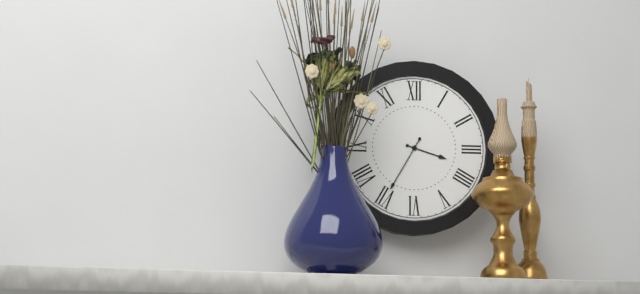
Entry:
3.35
